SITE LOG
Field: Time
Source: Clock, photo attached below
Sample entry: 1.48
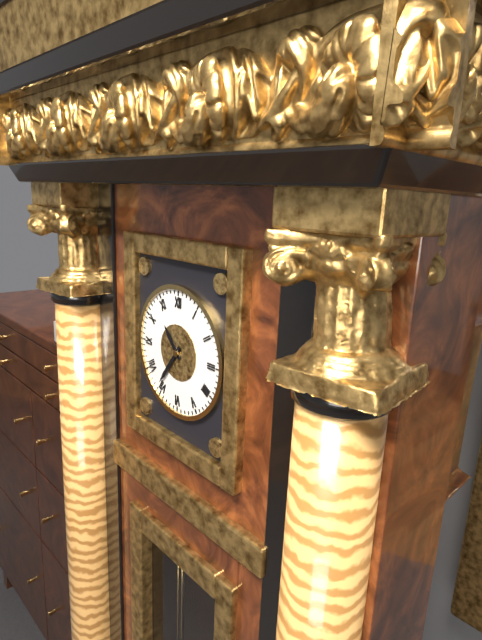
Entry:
10.36
